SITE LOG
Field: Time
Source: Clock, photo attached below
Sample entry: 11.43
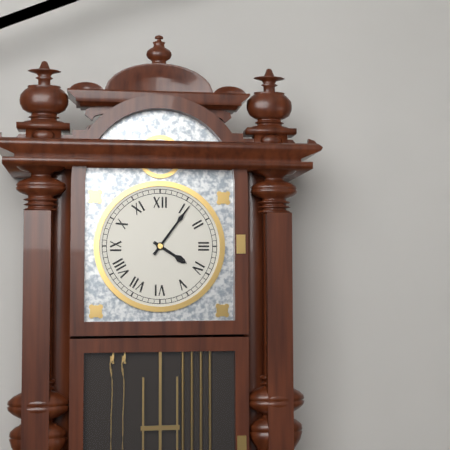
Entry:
4.06
